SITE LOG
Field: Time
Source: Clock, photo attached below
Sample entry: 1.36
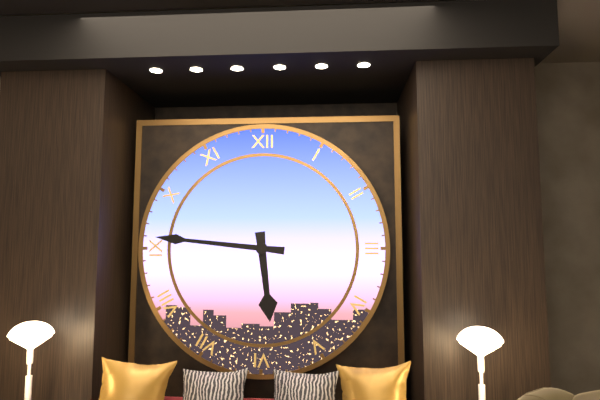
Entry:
5.46
